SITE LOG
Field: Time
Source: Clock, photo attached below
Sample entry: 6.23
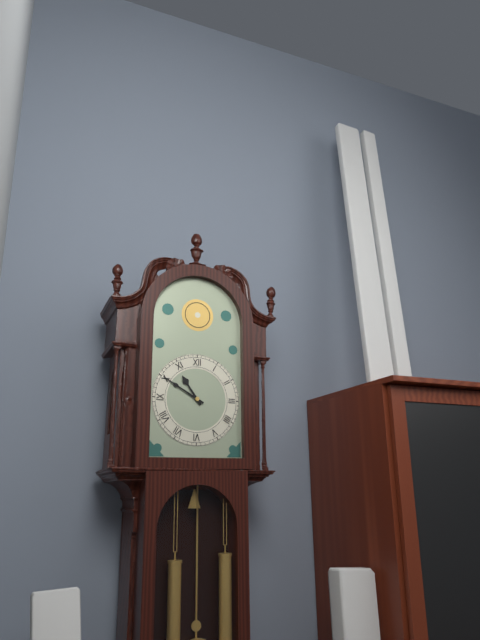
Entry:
10.50
